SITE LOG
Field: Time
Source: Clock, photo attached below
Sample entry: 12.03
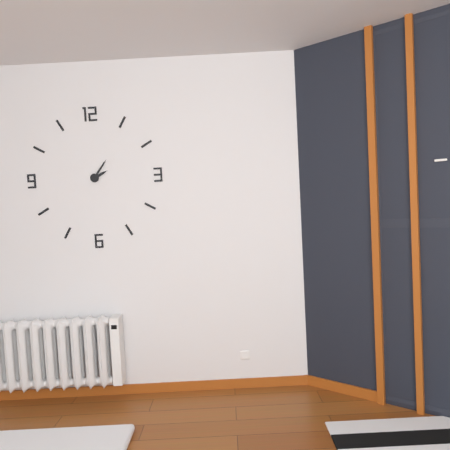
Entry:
2.06
